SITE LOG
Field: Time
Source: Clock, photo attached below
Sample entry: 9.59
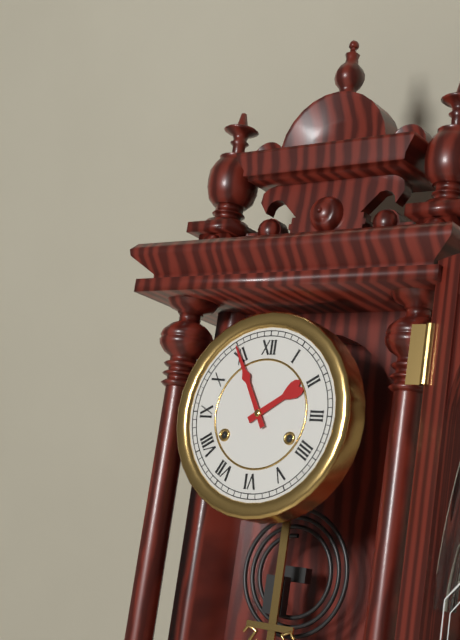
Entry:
1.55
